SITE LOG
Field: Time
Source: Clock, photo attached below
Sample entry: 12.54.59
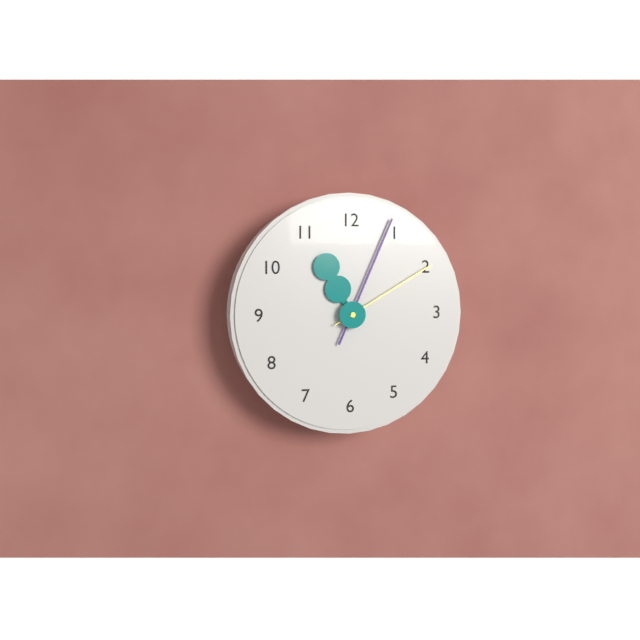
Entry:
11.04.10
